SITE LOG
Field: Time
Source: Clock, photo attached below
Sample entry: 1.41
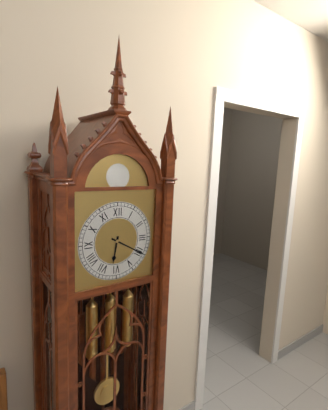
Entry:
6.20
